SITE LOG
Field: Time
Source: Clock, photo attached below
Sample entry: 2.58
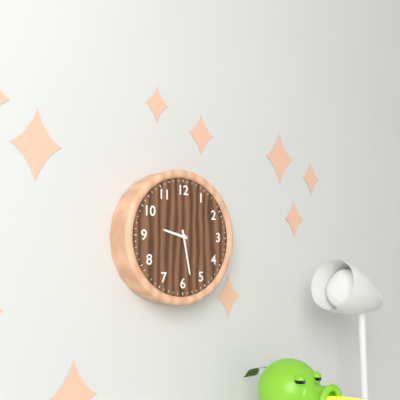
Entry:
9.28
